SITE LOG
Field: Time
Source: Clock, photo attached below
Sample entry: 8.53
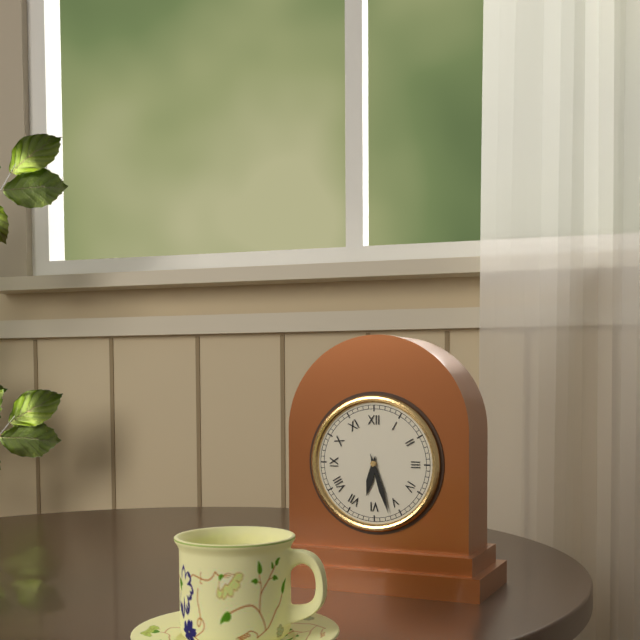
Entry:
6.27
